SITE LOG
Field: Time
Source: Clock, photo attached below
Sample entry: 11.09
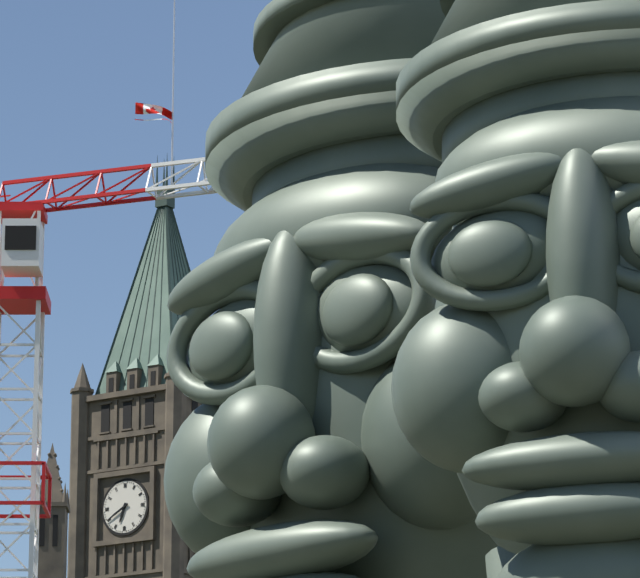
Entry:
6.40
